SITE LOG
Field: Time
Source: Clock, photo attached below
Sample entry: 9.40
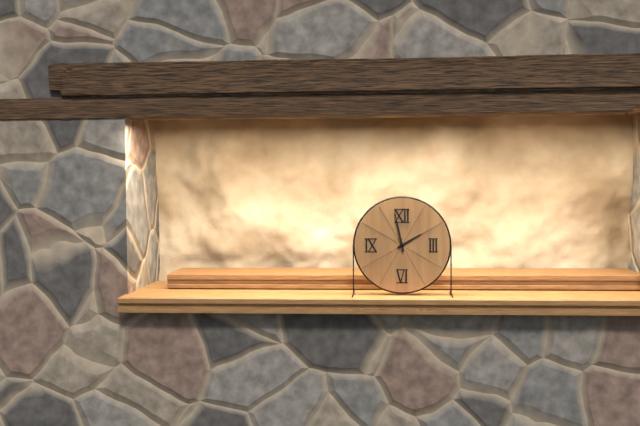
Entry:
1.58
